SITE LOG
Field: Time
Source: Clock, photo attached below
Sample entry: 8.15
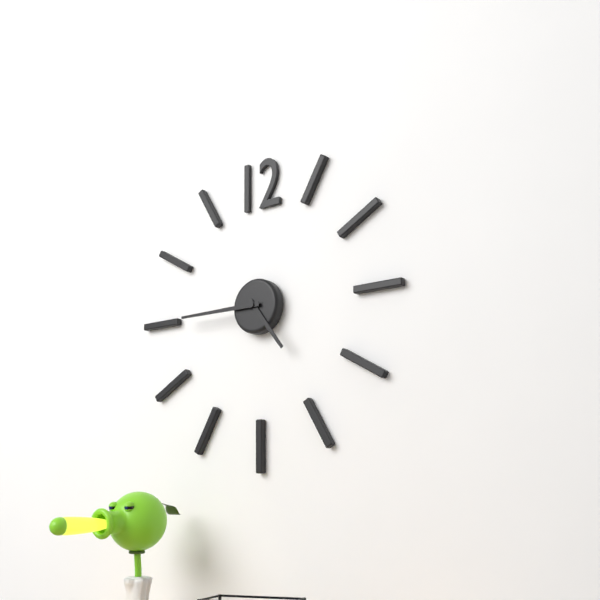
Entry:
4.45
